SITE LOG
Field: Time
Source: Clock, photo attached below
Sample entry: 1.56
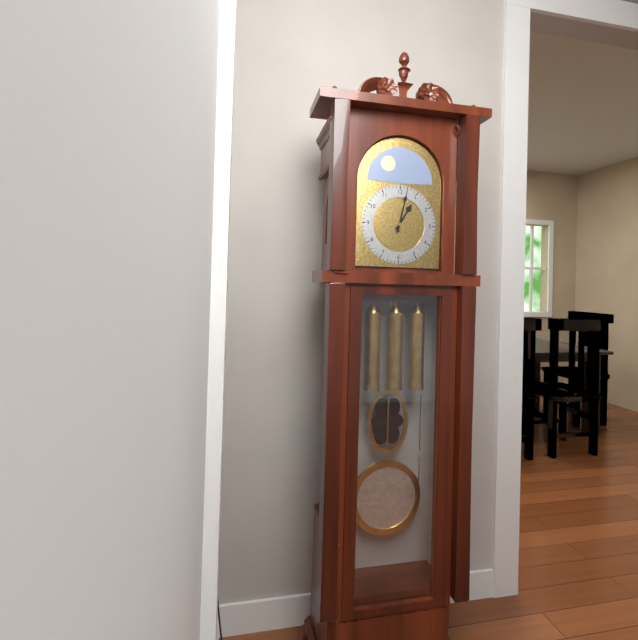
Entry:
1.02
